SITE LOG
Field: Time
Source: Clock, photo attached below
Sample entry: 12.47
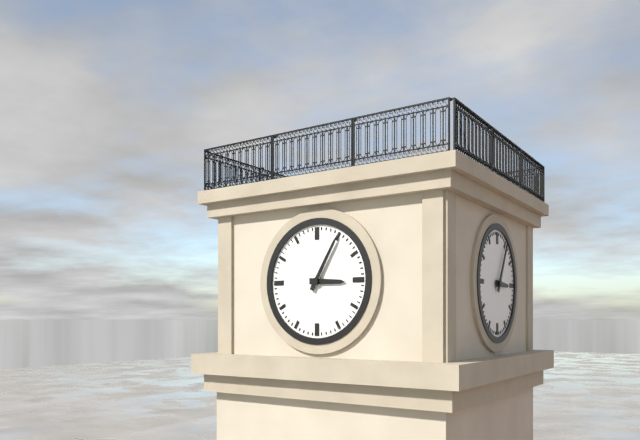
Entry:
3.05
